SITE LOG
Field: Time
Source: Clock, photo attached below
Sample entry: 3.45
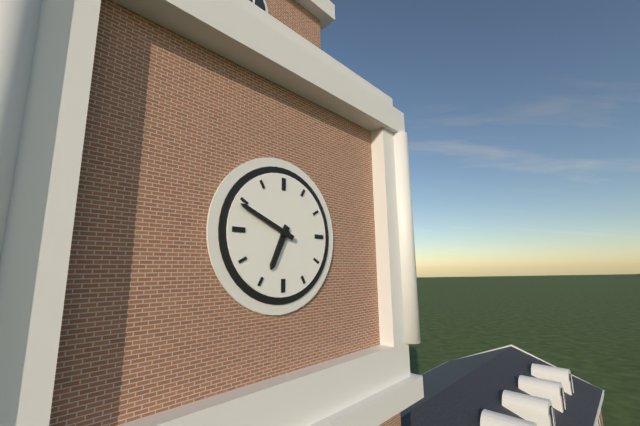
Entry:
6.49
